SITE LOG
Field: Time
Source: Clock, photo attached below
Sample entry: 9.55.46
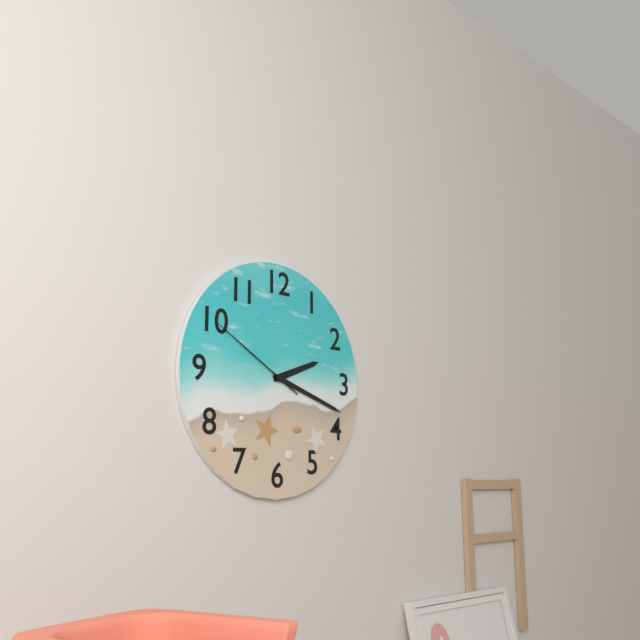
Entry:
2.18.50
